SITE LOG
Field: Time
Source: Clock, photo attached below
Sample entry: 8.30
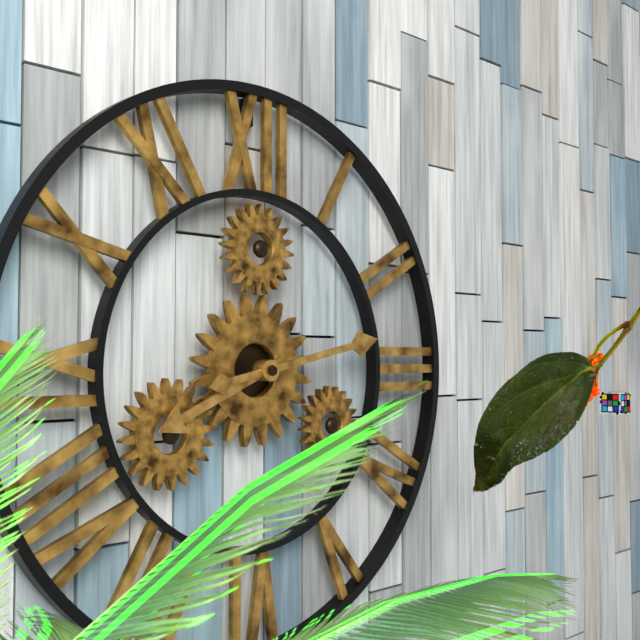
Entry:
8.13
